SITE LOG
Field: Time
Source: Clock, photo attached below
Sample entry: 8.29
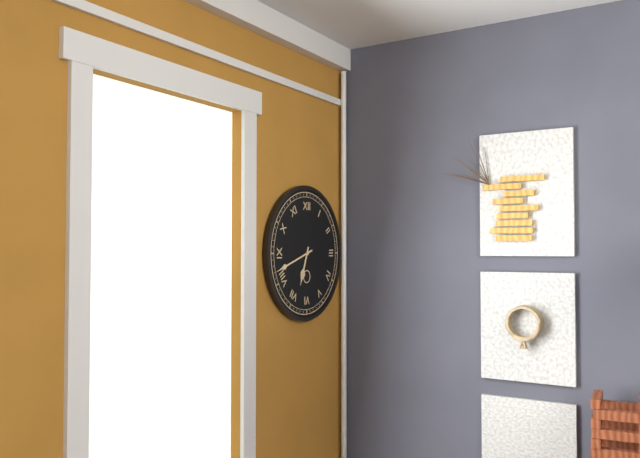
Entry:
6.42
